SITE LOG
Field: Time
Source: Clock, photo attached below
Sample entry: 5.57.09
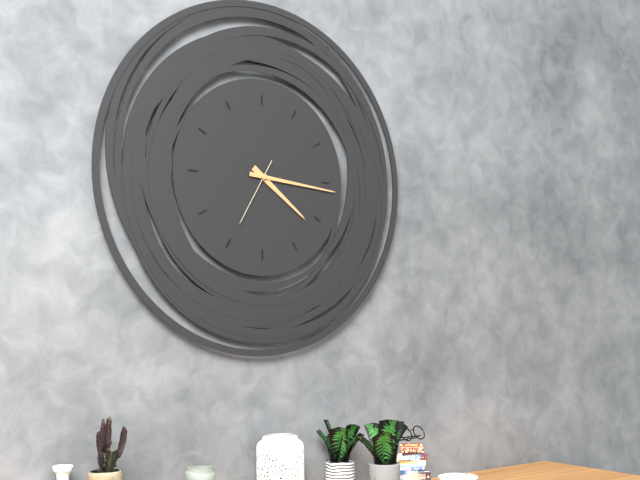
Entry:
4.16.35
